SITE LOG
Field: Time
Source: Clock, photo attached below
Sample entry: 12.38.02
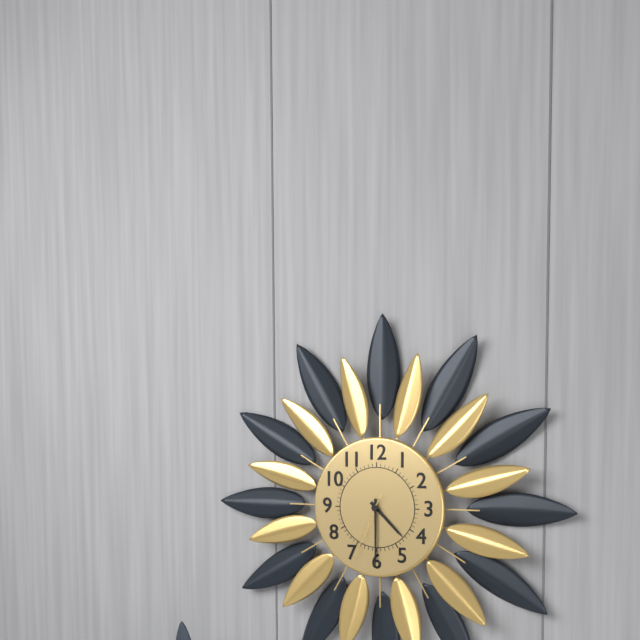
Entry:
4.30.34
